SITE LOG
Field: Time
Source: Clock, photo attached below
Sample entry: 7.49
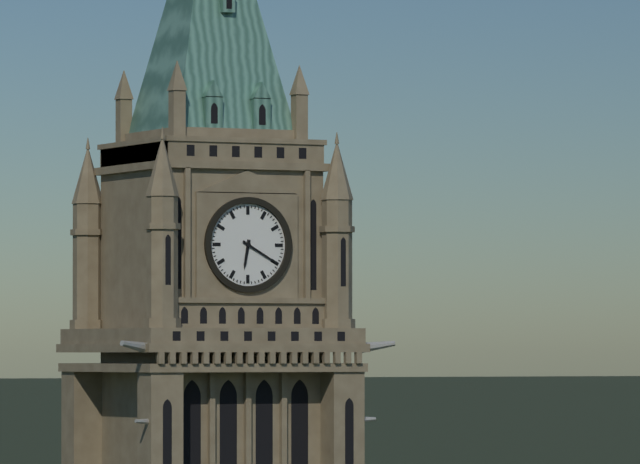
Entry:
6.20
